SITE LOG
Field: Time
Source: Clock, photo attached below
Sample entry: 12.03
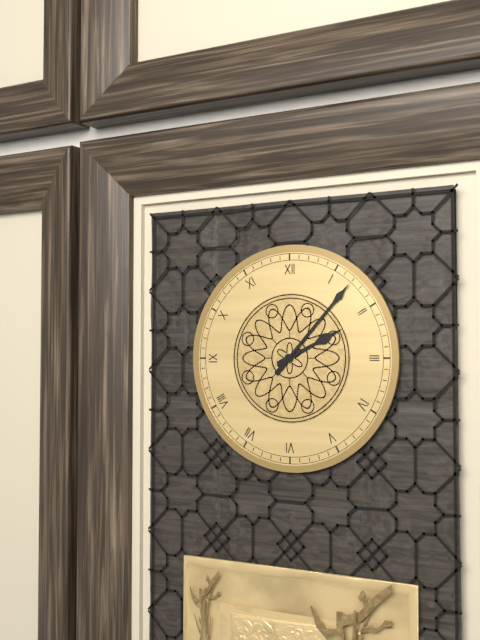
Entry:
2.07
